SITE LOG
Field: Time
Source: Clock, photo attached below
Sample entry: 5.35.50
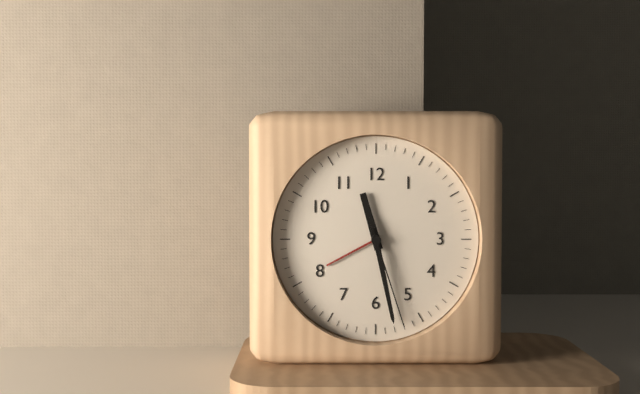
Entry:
11.28.27
